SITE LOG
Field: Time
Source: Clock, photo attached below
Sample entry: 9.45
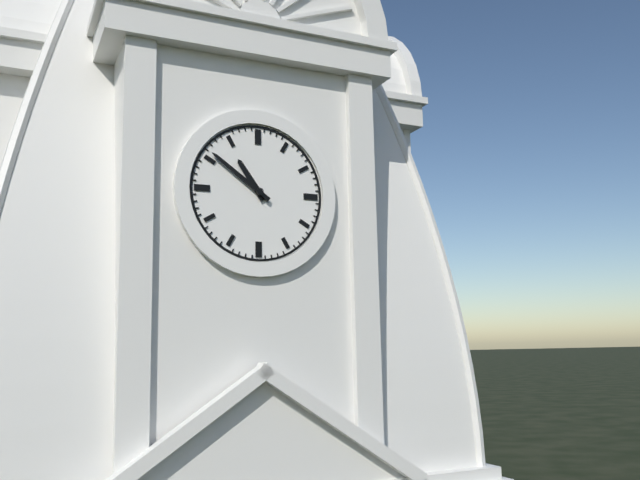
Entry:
10.51
